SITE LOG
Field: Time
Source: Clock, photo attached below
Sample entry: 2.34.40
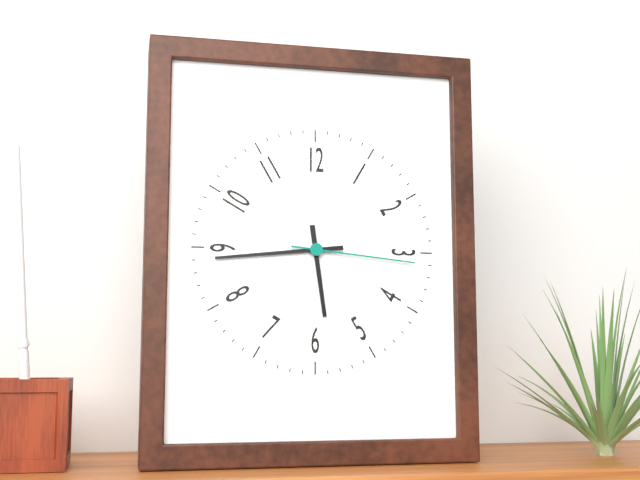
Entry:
5.44.16
